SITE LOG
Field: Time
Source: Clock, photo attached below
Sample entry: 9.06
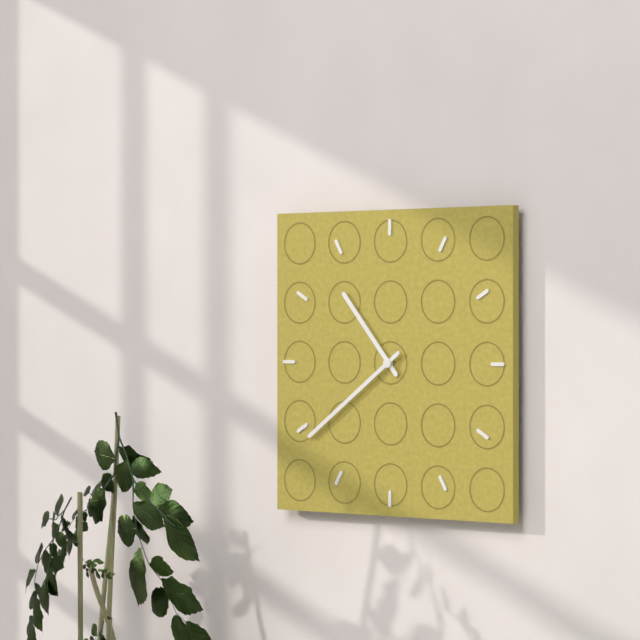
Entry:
10.39
